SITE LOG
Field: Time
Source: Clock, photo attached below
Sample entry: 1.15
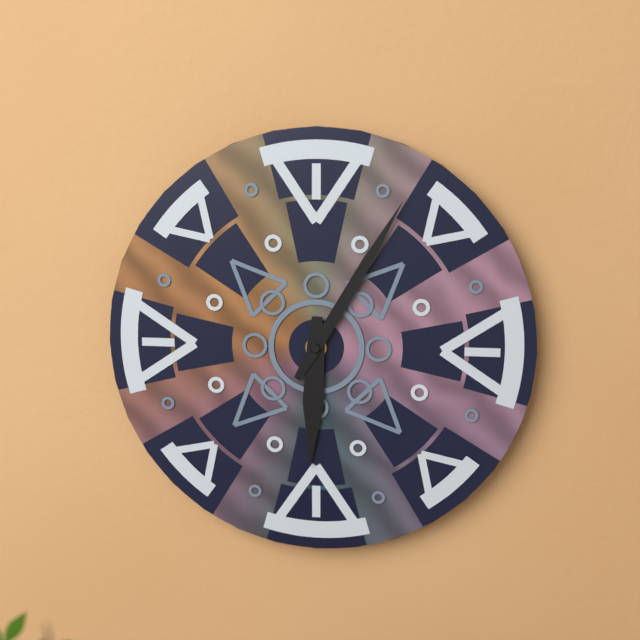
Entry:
6.05
